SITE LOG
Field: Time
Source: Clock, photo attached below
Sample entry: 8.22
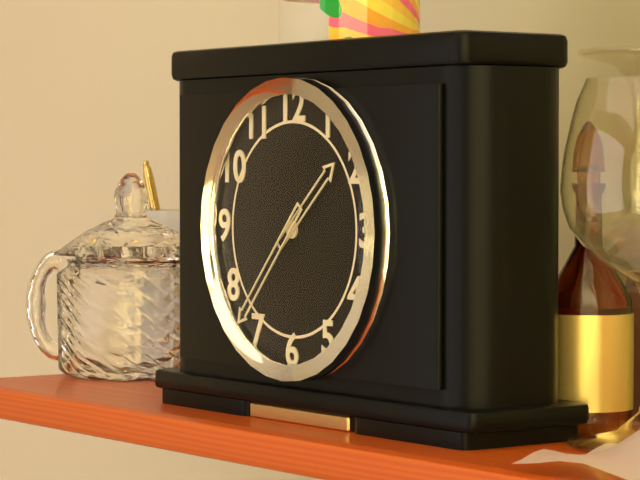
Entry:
1.37
